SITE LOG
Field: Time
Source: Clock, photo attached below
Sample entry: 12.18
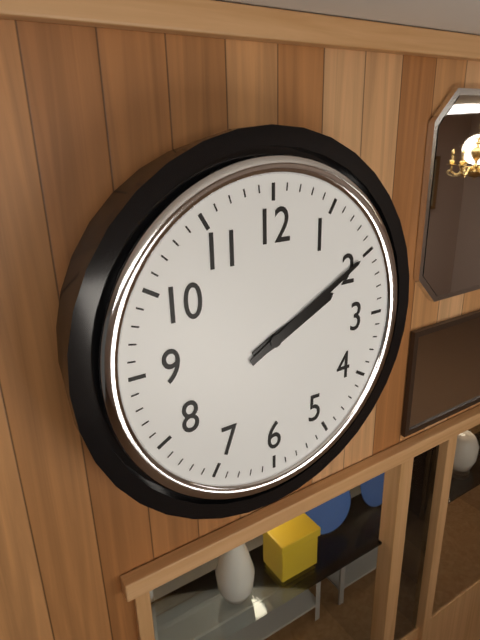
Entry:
2.10
